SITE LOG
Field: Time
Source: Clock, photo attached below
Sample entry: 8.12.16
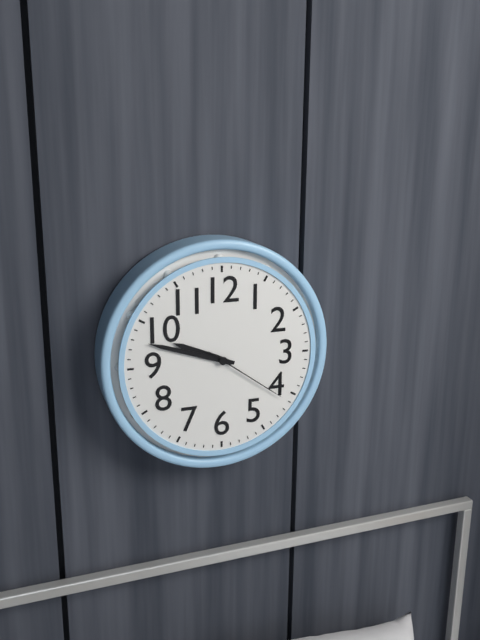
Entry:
9.48.21
